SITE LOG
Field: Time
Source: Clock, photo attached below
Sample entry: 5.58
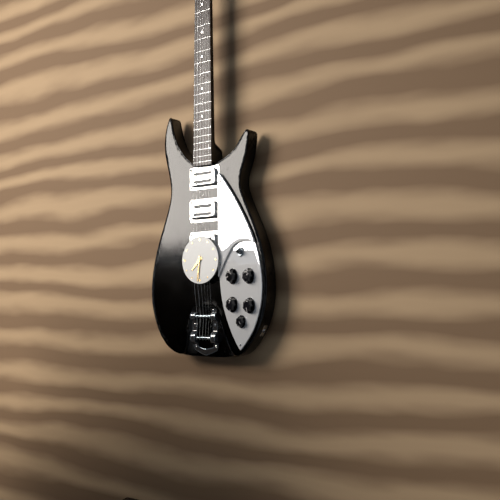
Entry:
7.31
